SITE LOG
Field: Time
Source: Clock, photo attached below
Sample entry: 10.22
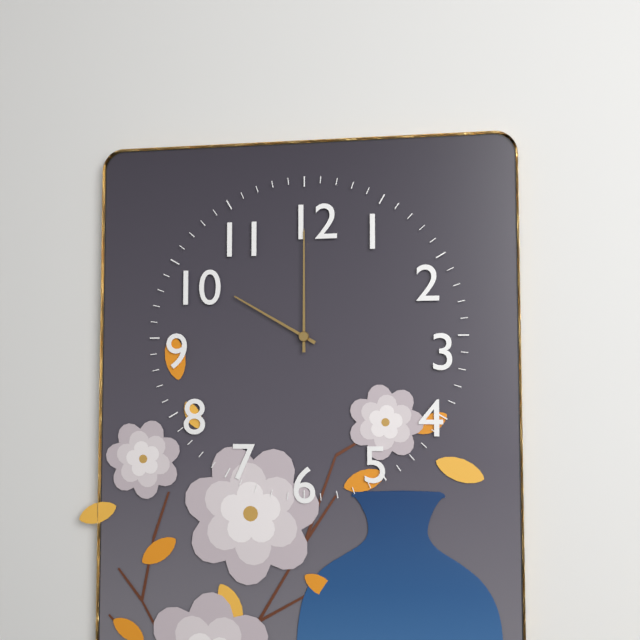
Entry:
10.00
